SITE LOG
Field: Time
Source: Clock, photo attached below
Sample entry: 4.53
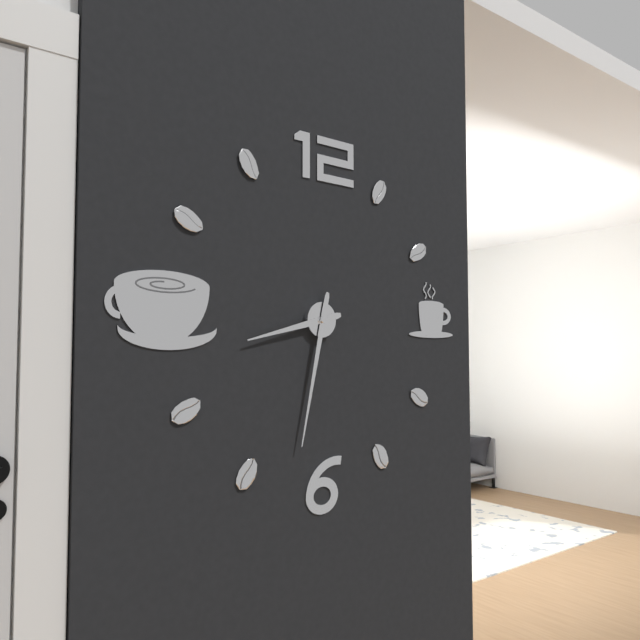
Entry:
8.32
